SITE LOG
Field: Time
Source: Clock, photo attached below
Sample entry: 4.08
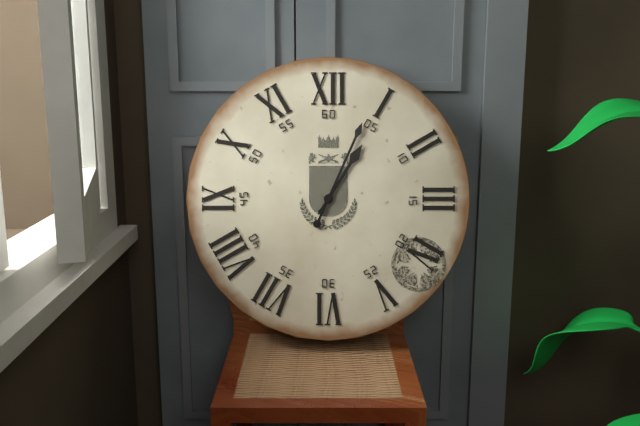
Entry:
1.04
